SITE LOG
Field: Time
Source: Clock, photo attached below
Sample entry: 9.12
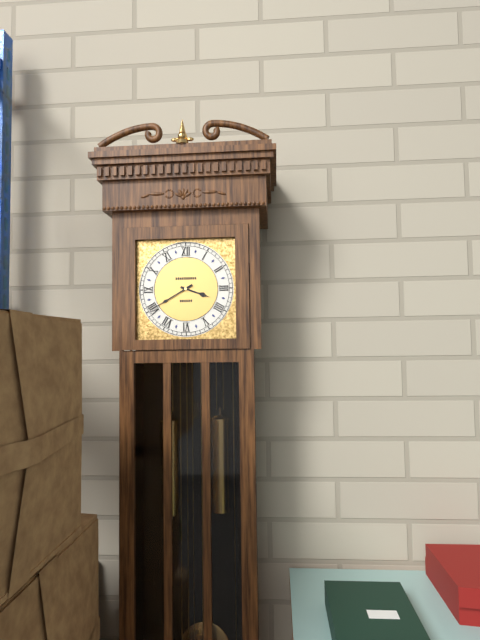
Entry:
3.40
